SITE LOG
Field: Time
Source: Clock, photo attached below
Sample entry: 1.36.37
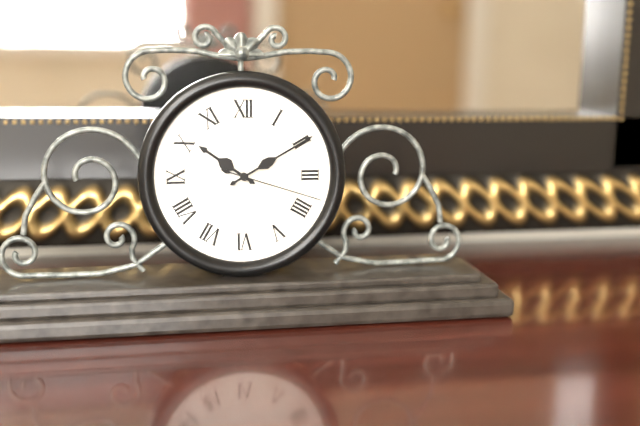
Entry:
10.10.18
